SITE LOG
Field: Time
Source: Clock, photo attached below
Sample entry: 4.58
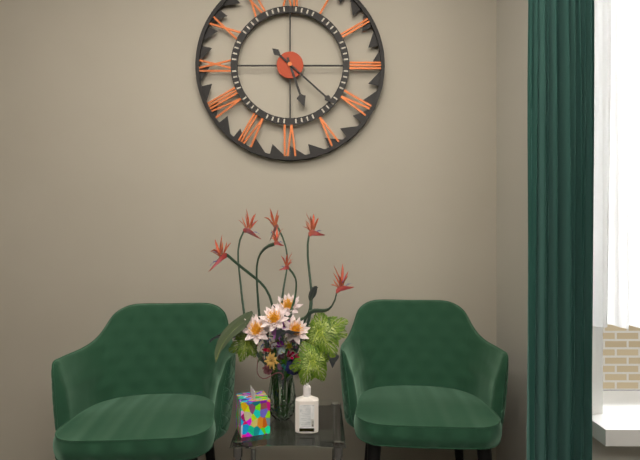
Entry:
5.22
